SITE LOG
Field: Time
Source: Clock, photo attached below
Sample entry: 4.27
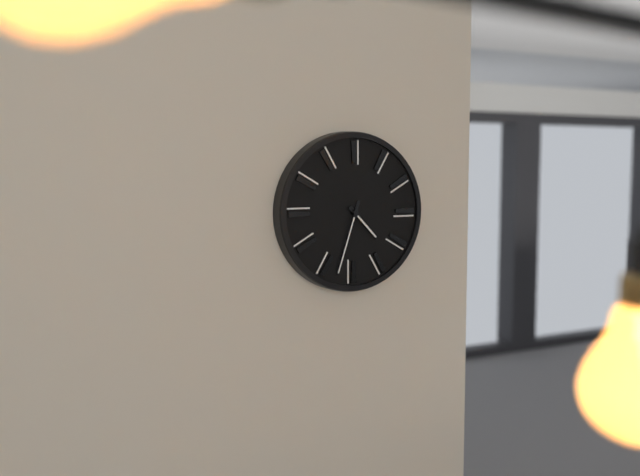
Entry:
4.33
